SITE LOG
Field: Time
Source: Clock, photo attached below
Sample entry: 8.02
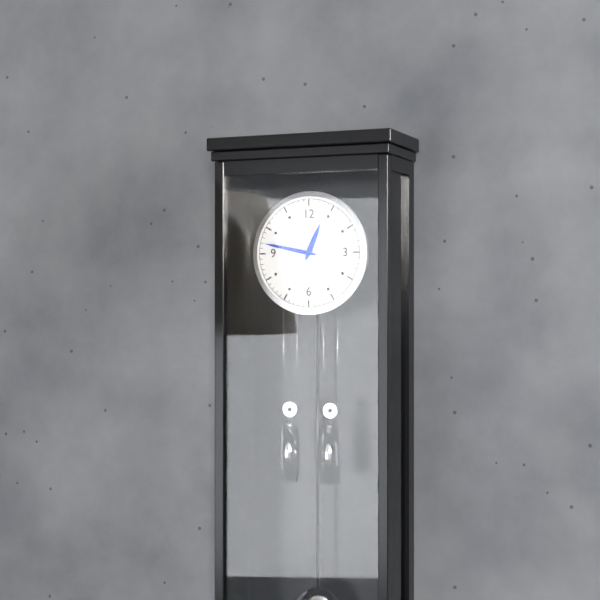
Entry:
12.47
